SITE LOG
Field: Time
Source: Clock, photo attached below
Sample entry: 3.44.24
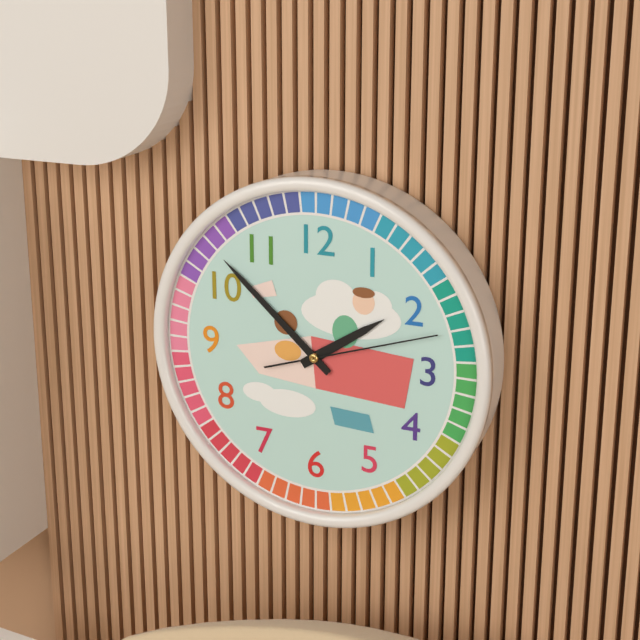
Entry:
1.52.12
